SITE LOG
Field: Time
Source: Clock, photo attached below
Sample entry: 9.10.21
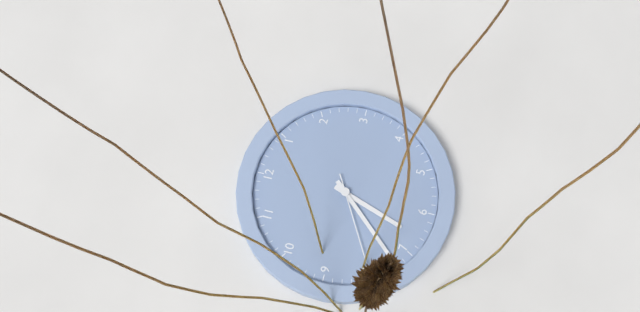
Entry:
6.37.40
